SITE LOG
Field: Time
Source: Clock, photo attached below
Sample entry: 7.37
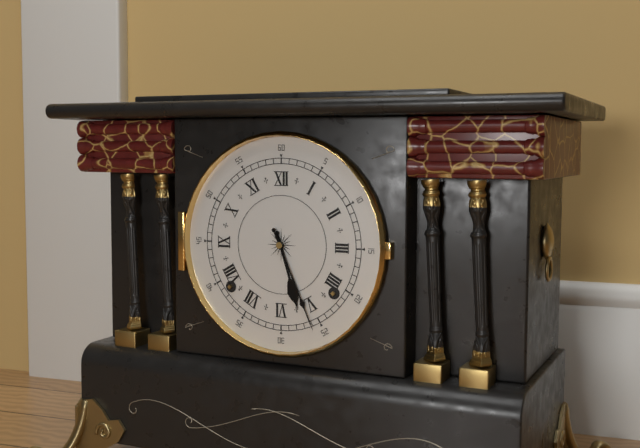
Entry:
5.26
